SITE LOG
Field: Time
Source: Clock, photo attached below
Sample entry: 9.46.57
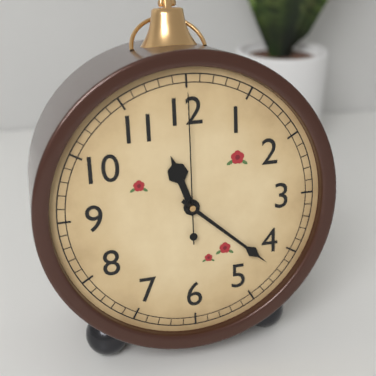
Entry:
11.22.00
